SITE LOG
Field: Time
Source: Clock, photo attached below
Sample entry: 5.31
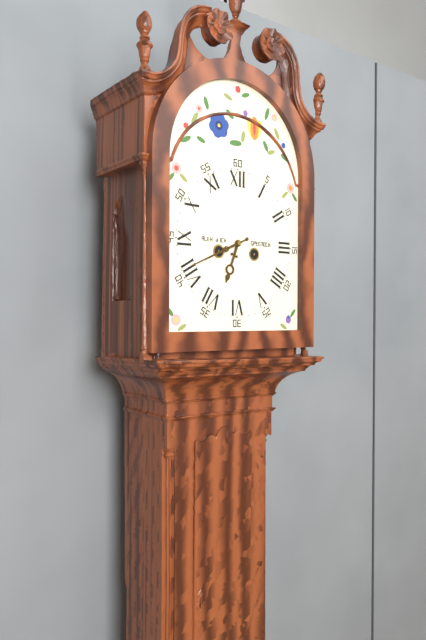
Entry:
6.41
